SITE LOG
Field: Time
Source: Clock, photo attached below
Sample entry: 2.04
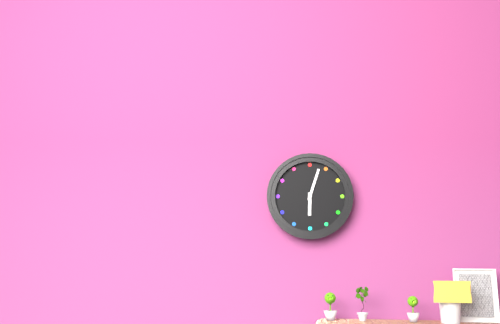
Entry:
6.03
